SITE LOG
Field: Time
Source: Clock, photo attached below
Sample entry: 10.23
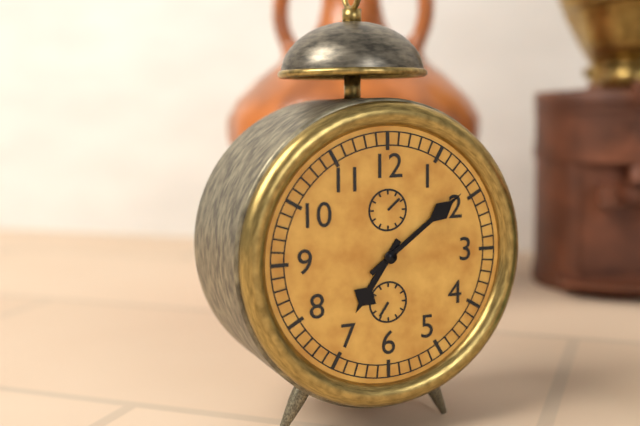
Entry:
7.09
